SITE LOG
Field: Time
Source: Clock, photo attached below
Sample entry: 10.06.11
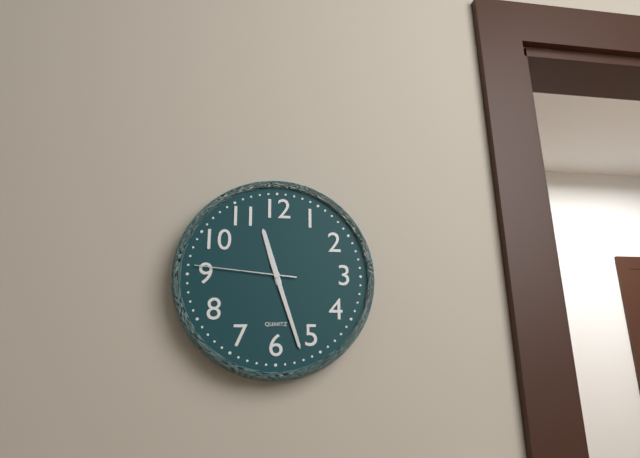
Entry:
11.27.46
